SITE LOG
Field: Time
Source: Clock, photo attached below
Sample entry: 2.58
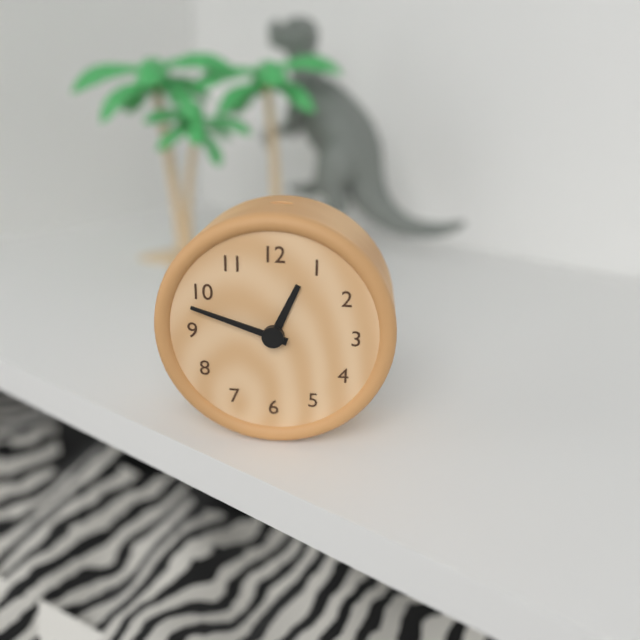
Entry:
12.48
